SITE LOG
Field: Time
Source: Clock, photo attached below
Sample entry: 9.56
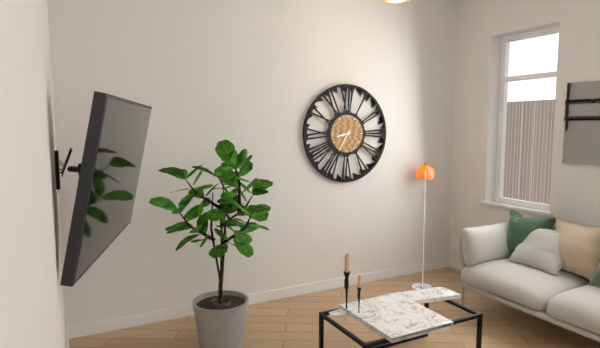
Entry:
8.35
